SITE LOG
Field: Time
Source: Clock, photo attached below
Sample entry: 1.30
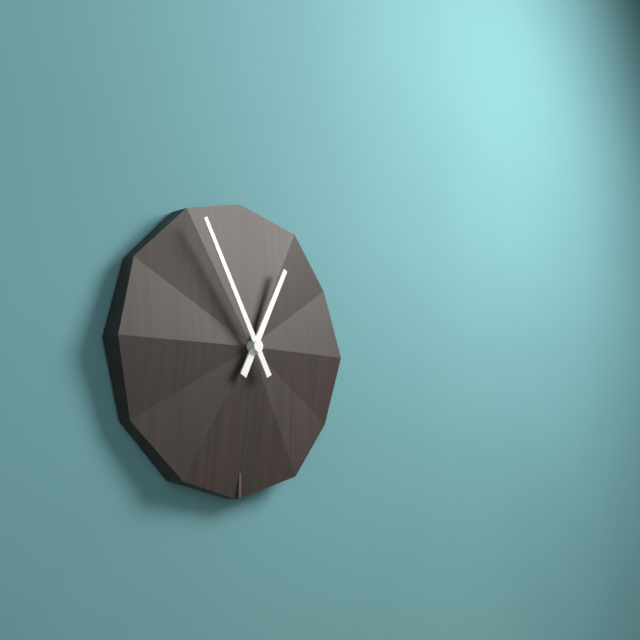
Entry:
12.55
